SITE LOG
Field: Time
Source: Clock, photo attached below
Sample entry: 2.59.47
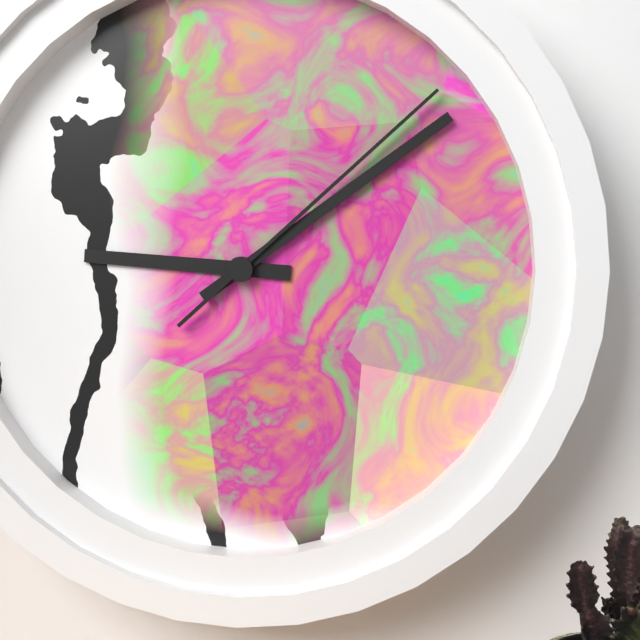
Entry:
9.09.08
